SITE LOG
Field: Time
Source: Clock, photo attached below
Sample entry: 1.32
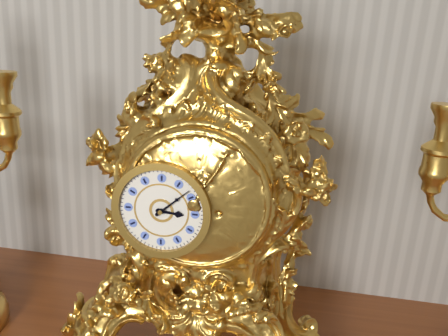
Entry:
3.08
